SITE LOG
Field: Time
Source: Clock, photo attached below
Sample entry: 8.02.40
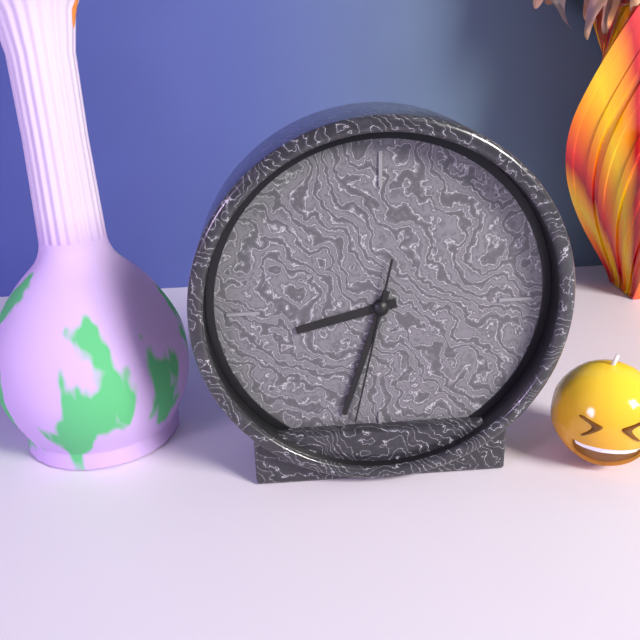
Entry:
8.33.32
